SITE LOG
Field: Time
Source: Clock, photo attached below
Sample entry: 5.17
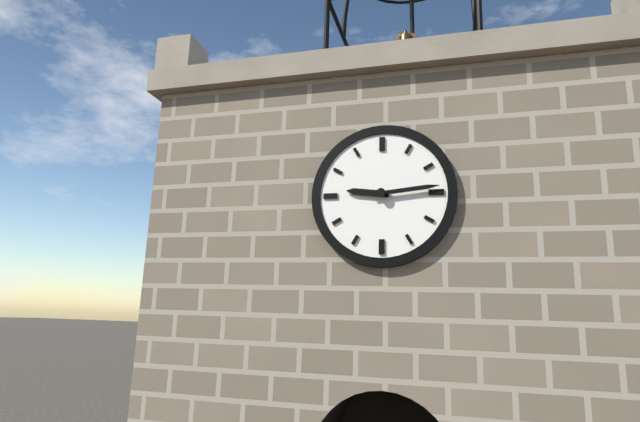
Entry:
9.14
